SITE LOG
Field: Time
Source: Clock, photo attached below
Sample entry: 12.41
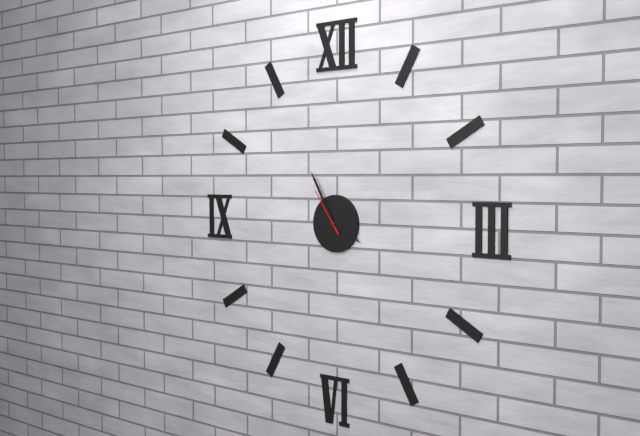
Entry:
3.55
